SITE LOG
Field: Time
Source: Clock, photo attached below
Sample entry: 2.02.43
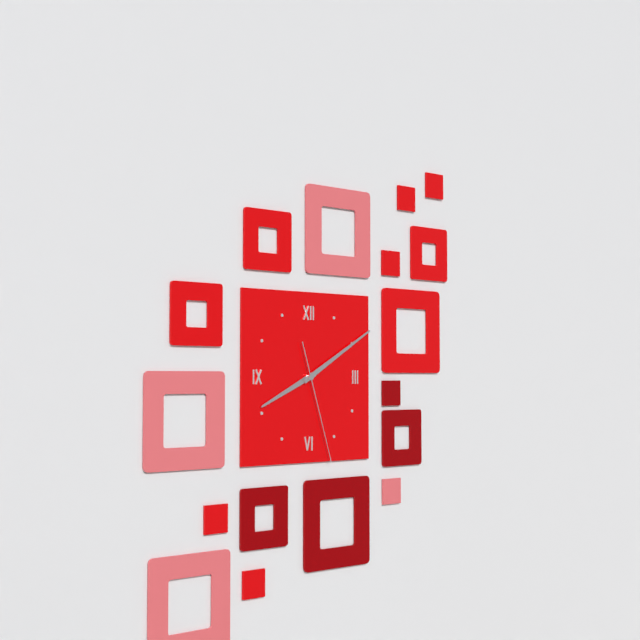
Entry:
8.10.27
